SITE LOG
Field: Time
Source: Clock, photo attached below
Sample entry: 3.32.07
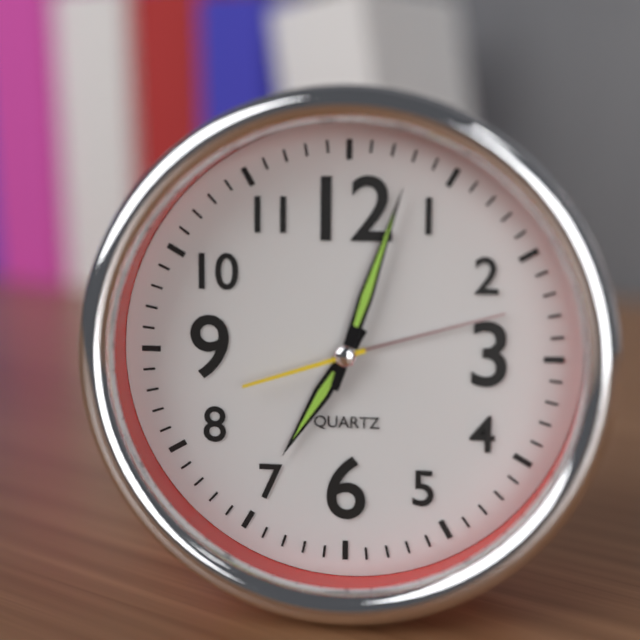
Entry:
7.03.42
